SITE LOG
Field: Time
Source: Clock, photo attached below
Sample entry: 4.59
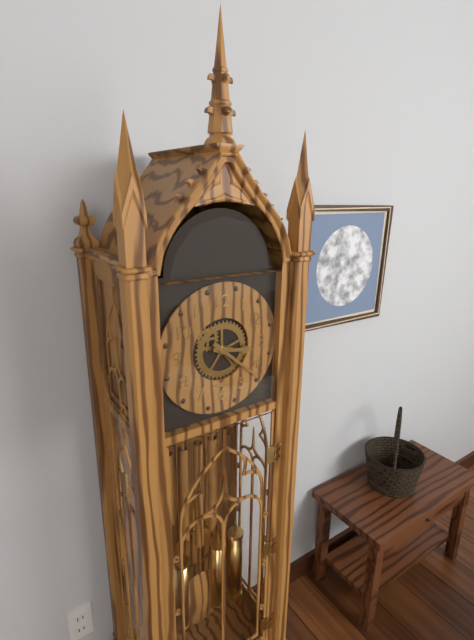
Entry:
3.22
